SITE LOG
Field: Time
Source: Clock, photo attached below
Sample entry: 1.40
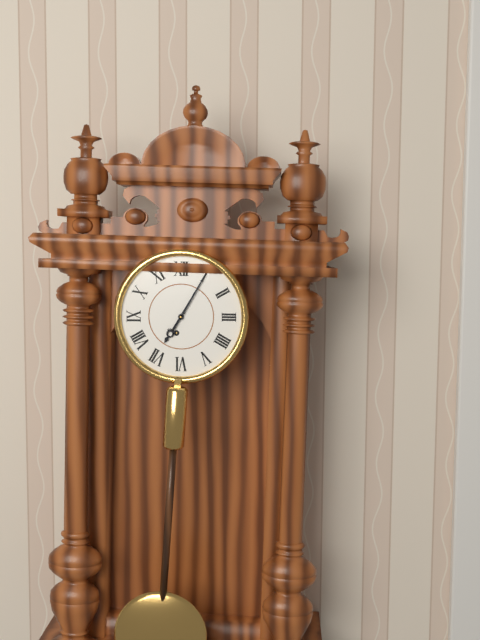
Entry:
7.05
